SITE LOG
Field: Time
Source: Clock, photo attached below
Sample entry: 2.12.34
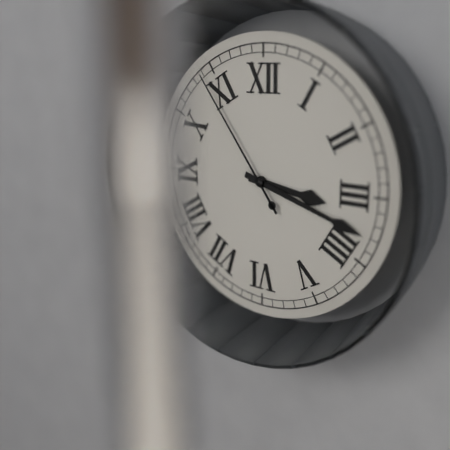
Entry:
3.18.54
